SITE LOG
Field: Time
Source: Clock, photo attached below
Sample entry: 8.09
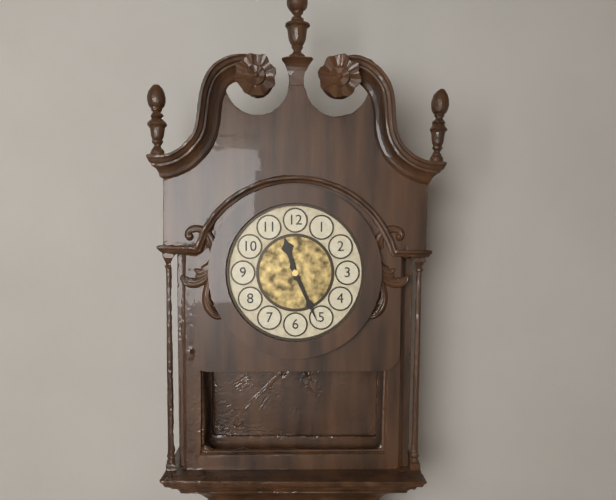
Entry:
11.26
